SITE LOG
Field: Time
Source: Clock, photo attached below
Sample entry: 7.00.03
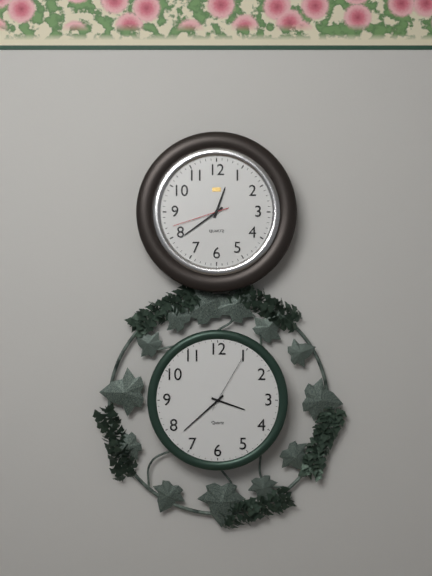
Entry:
12.39.42
